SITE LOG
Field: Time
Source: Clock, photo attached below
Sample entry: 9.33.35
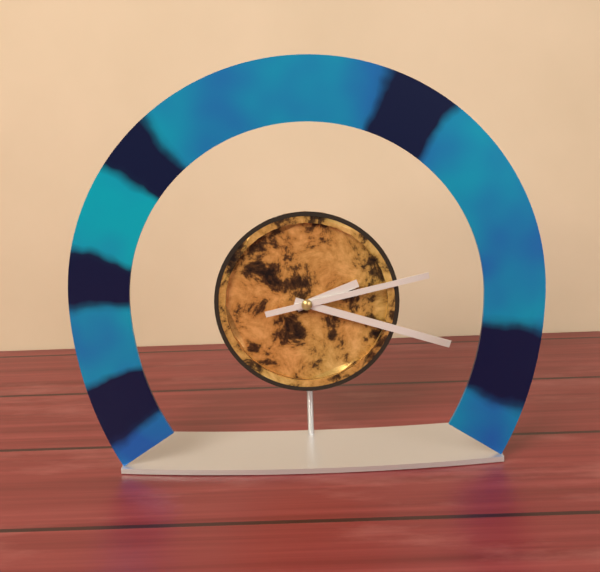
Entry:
2.18.13
